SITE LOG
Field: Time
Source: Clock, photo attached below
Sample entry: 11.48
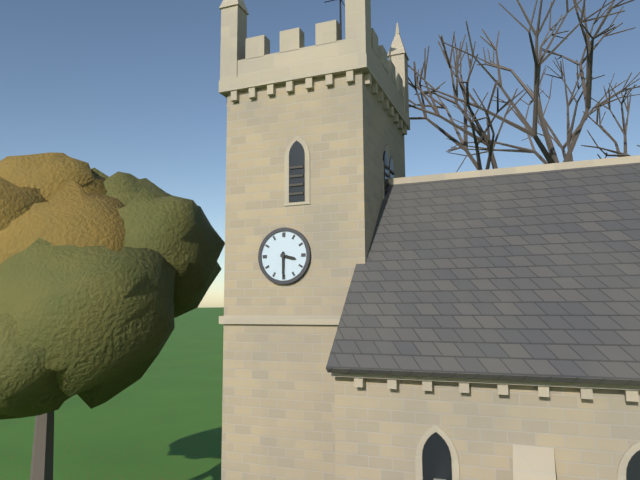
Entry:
3.30
